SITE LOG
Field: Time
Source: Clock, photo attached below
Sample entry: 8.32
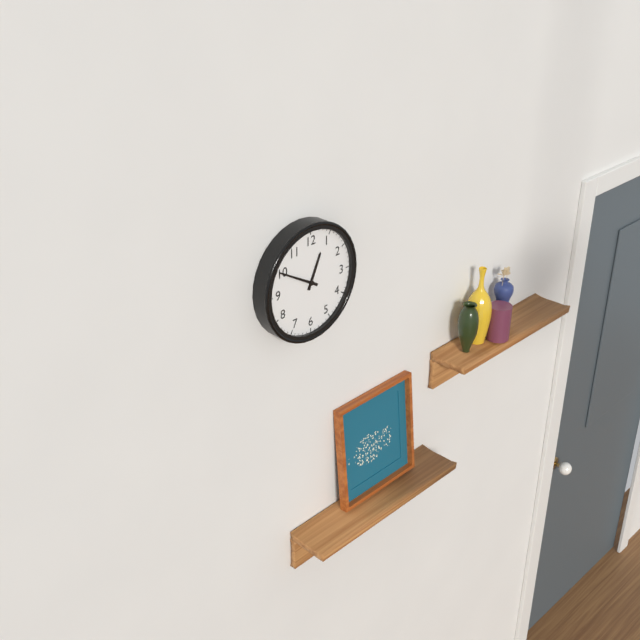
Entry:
12.50
